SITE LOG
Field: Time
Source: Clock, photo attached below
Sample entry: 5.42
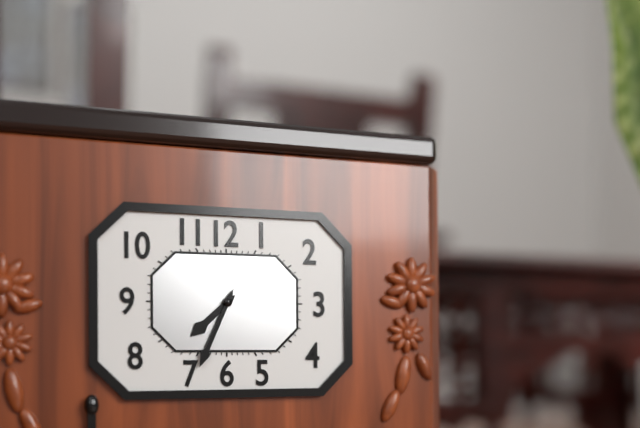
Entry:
7.34
